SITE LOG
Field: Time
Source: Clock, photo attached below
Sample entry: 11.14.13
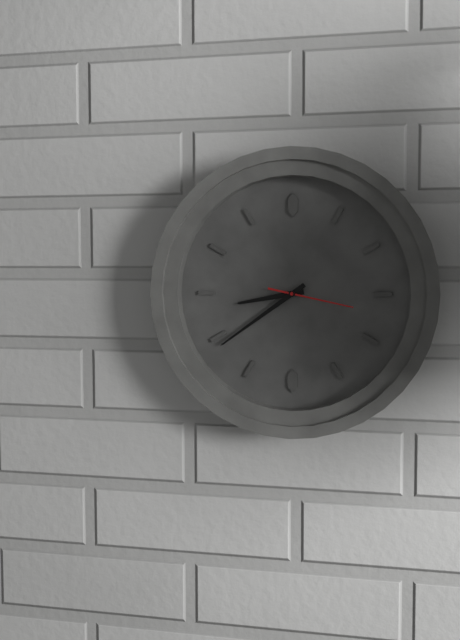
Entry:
8.39.17
